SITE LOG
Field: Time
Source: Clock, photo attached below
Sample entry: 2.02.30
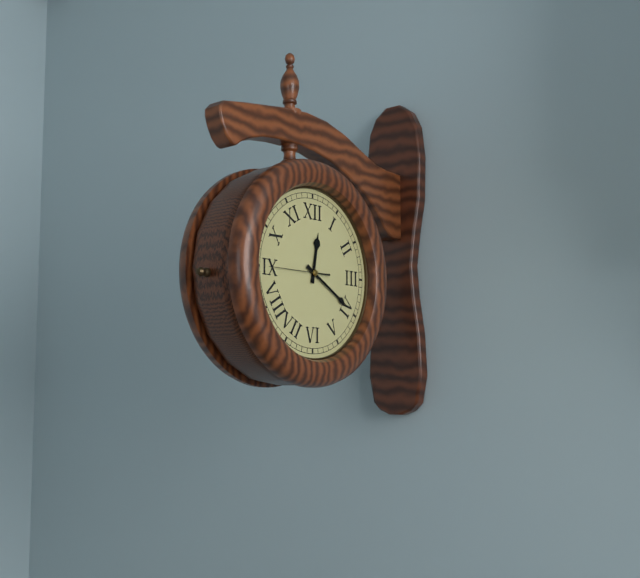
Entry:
12.20.45
